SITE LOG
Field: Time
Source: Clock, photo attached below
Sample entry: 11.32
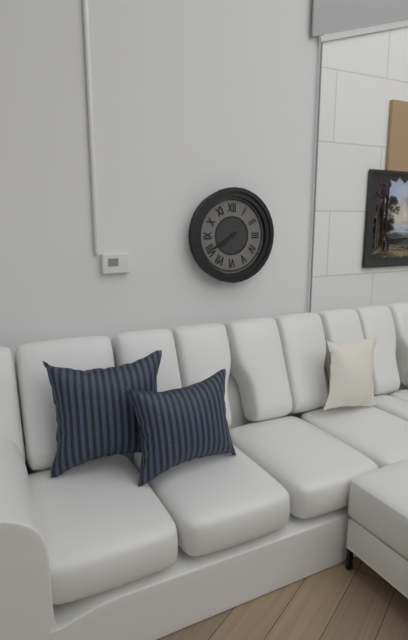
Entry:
7.40
